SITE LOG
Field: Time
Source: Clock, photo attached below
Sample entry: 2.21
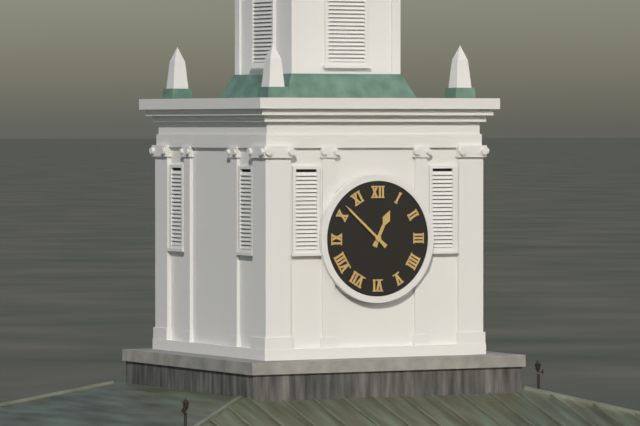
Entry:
12.52
